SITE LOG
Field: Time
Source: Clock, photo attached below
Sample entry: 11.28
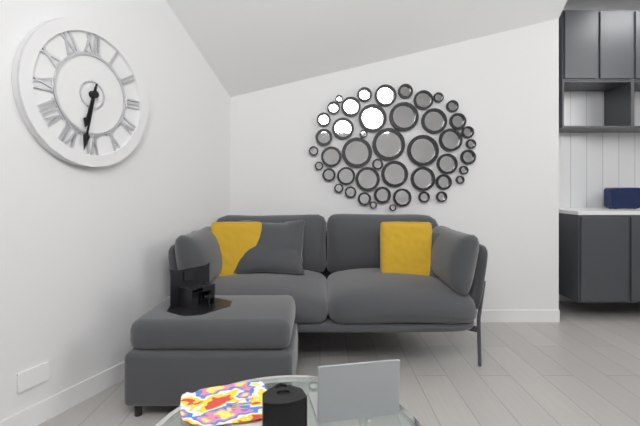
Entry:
6.32
